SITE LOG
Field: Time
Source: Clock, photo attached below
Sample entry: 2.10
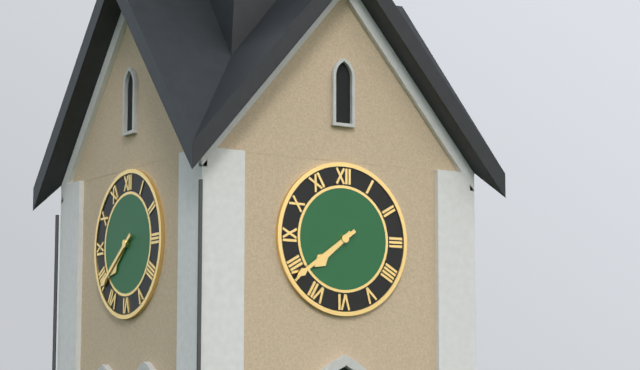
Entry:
7.39
